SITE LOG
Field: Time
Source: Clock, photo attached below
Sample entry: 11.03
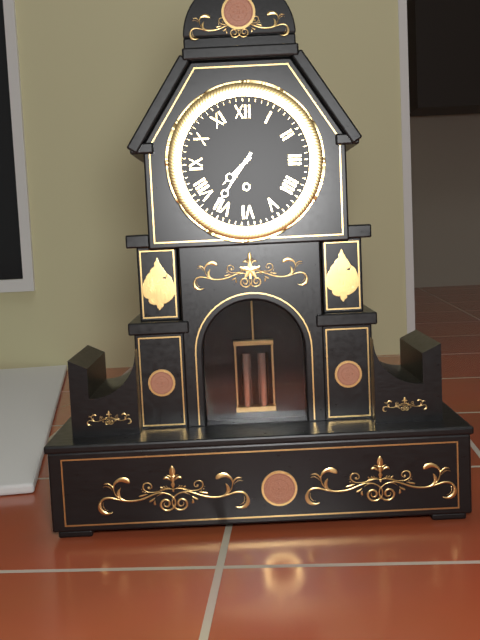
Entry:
7.36
